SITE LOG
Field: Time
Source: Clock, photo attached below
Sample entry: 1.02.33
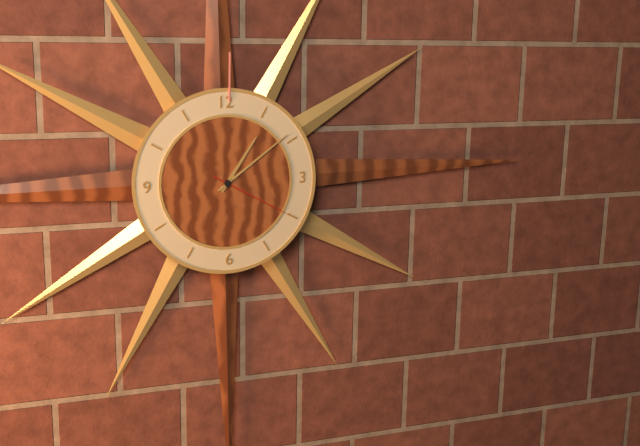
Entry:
1.09.20
